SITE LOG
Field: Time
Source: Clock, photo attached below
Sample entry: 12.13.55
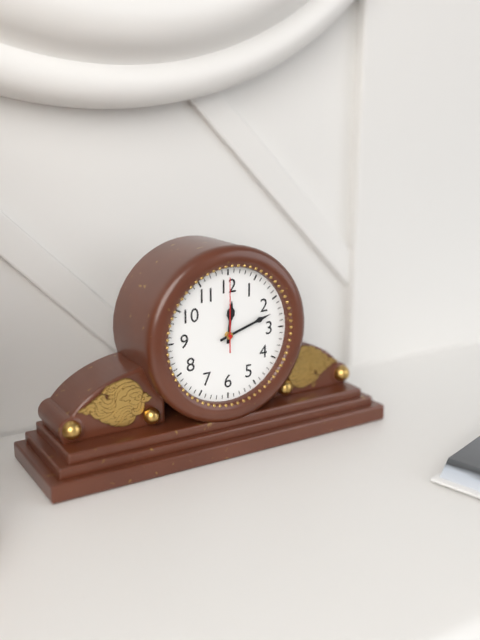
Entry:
12.12.00
